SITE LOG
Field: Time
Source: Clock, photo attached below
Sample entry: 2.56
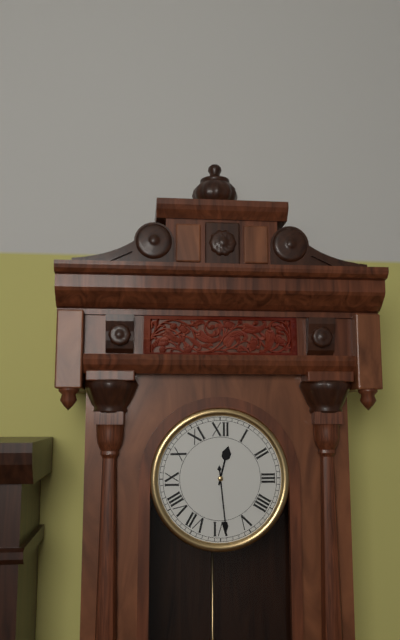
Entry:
12.29
